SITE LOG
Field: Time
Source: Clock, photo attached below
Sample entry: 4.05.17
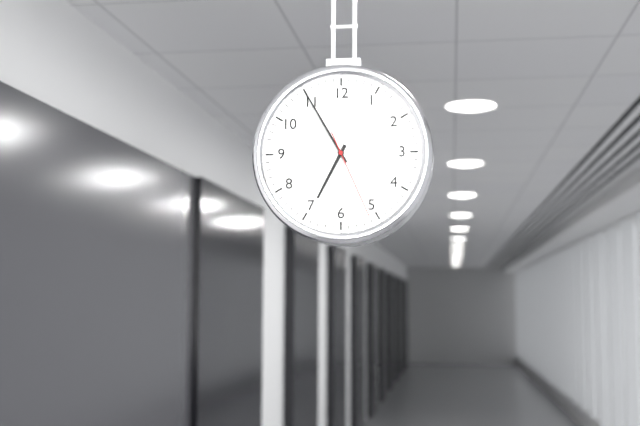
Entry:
6.55.26
